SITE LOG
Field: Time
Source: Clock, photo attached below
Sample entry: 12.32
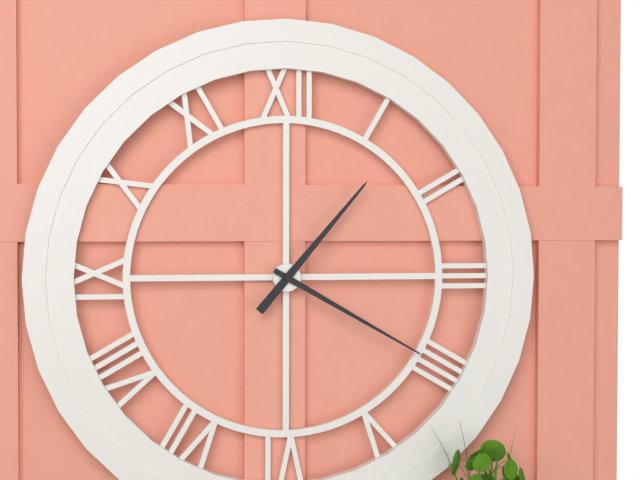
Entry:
1.20
